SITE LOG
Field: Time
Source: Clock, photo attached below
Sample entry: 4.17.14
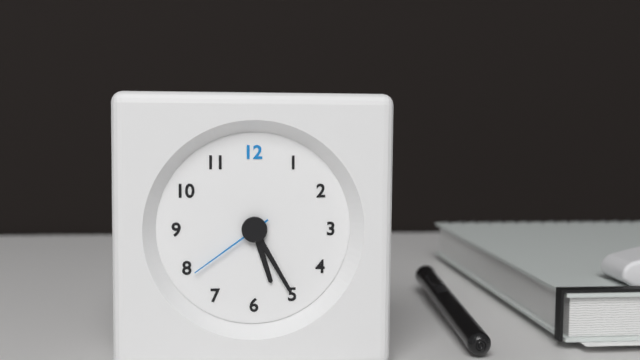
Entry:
5.25.39
